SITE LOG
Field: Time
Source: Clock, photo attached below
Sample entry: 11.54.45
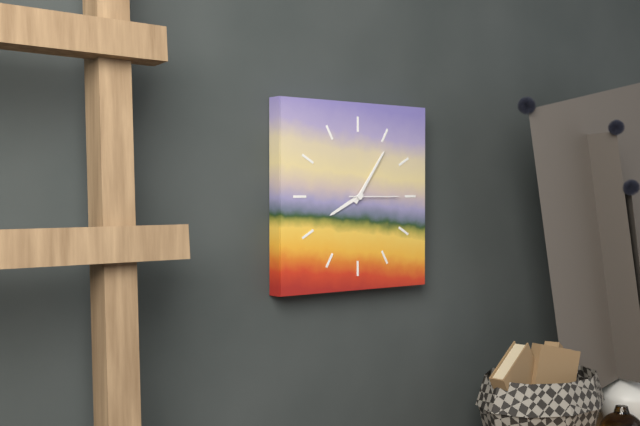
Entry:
8.06.15
